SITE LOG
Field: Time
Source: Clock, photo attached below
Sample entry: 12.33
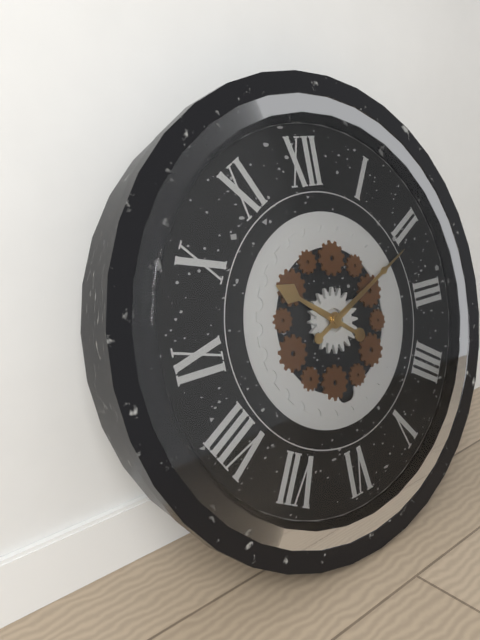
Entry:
10.11
